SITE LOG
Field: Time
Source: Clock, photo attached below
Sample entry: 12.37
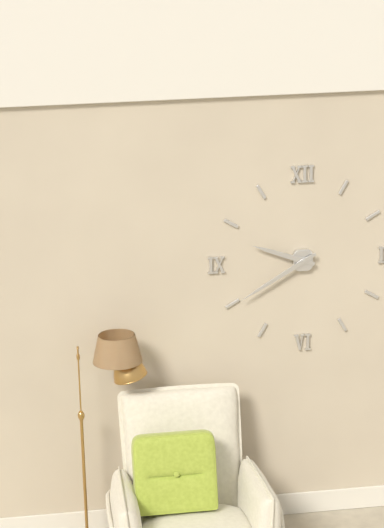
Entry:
9.40
